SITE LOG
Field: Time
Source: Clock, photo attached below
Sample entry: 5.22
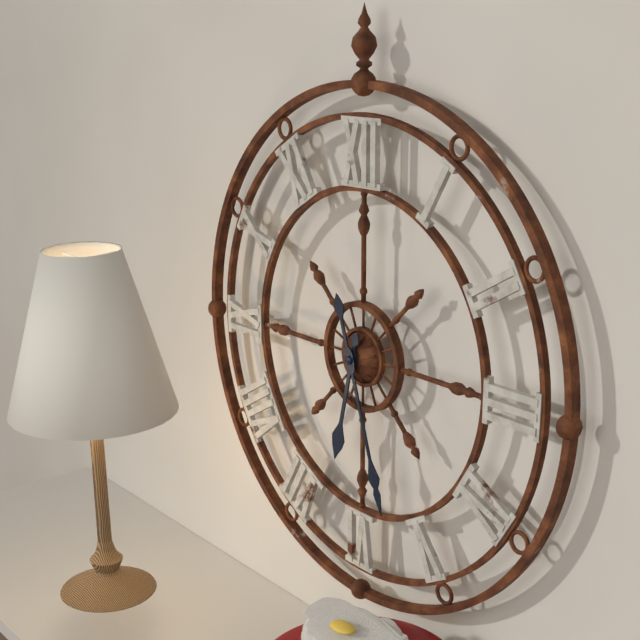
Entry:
6.27
